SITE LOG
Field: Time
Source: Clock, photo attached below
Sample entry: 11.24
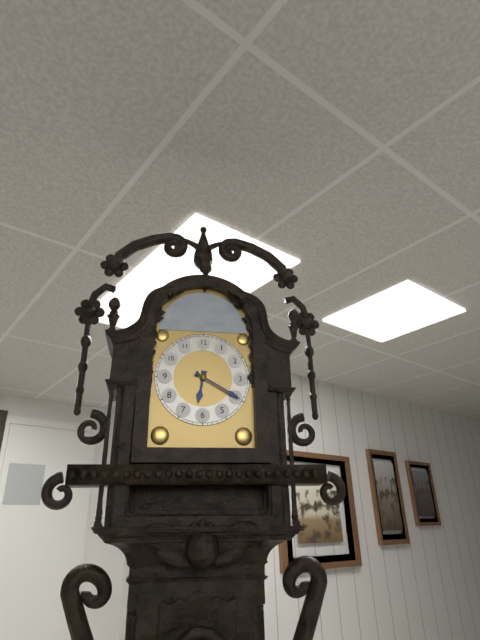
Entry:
6.20
